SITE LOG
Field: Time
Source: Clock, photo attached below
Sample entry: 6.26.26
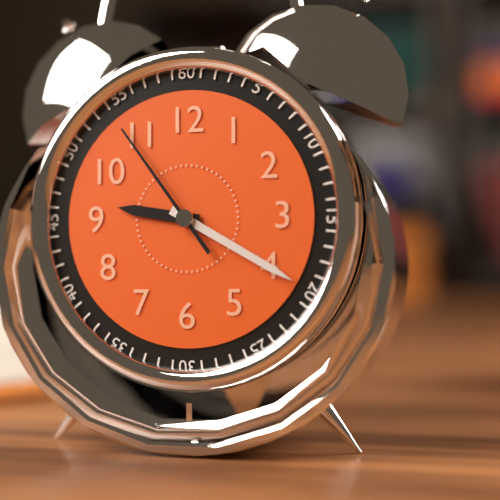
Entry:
9.20.54
